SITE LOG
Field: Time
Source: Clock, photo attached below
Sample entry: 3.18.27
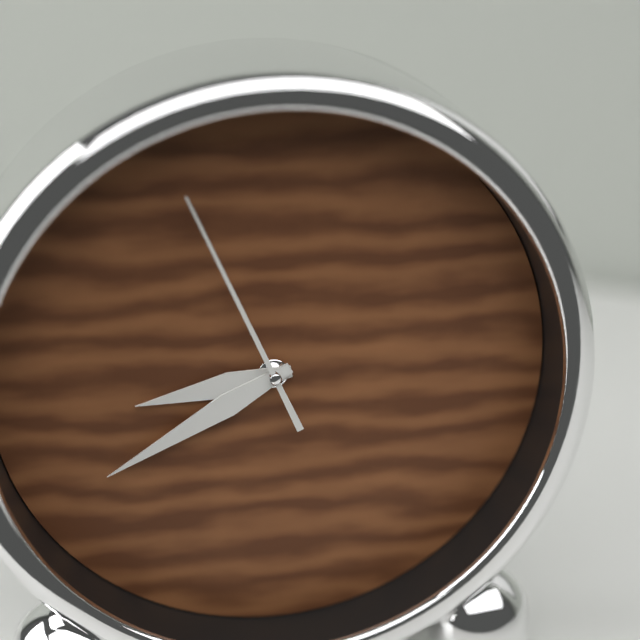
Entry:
8.40.56
